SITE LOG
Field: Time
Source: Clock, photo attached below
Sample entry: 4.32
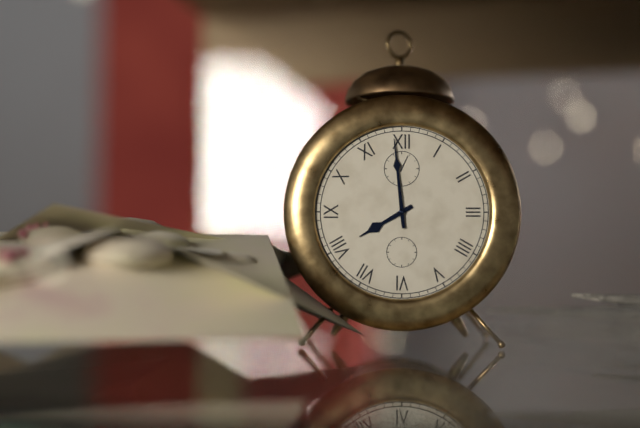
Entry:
7.59
